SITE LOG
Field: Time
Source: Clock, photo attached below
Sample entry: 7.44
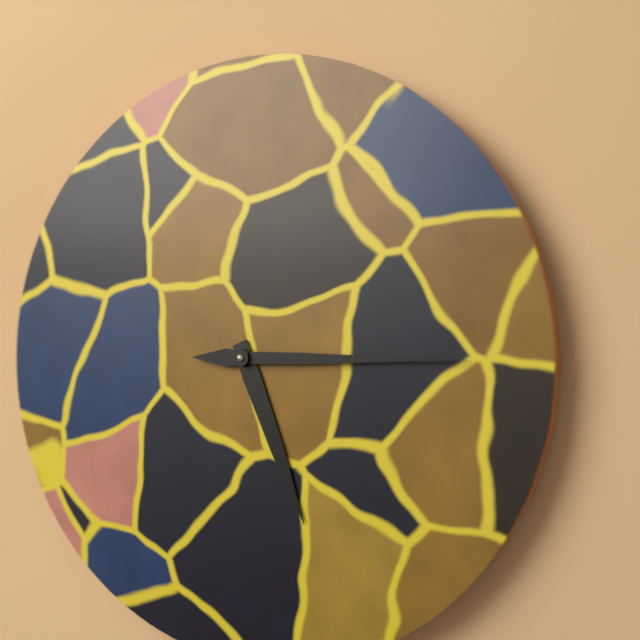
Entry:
5.15
